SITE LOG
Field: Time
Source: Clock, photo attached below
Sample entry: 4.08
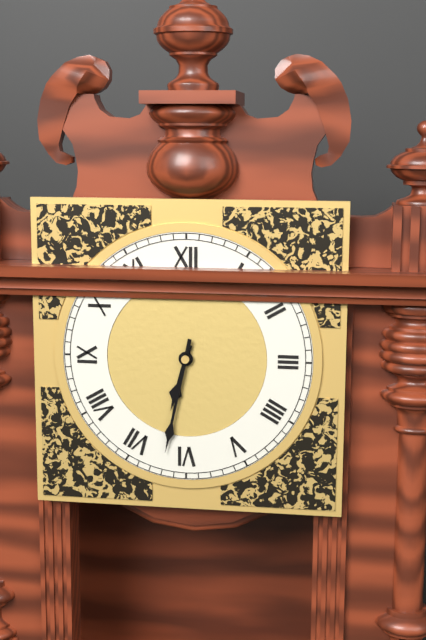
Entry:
6.32
